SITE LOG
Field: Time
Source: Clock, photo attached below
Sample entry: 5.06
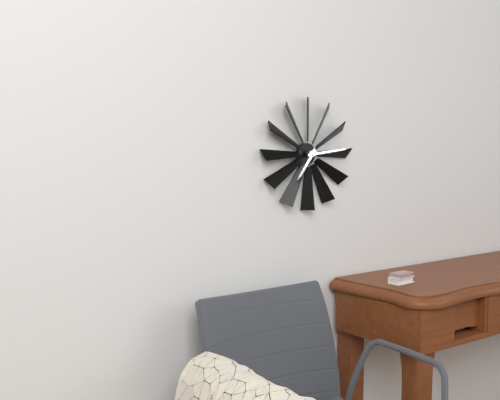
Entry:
7.14
